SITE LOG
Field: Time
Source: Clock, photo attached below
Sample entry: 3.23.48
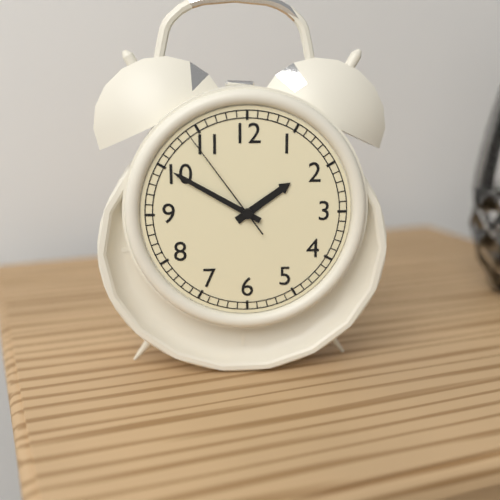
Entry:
1.50.54
